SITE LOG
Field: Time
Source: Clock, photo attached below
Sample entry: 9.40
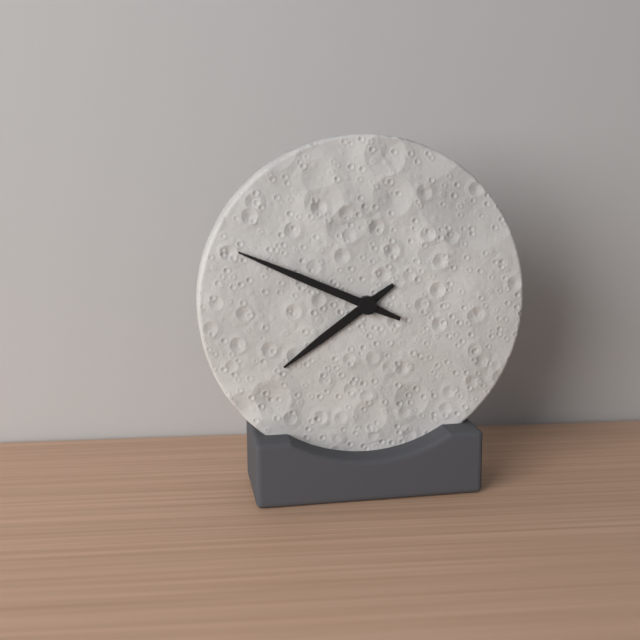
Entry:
7.49
